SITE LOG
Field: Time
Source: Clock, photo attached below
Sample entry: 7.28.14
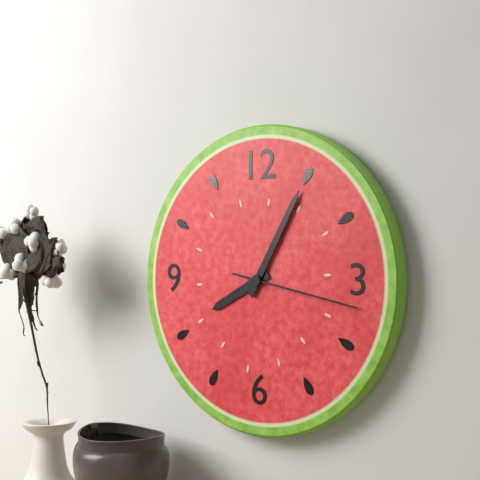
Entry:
8.05.17
